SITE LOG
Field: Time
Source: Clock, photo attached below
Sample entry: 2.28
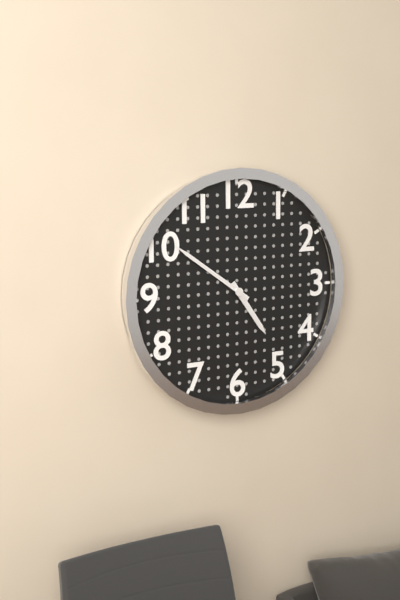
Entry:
4.51
